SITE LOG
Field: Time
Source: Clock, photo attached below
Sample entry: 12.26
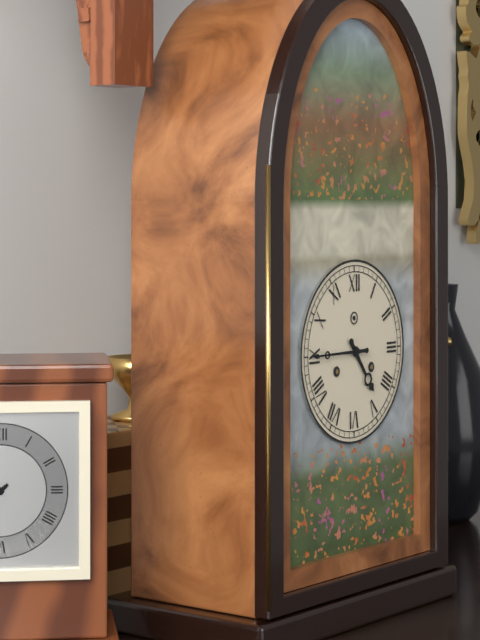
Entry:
4.45
